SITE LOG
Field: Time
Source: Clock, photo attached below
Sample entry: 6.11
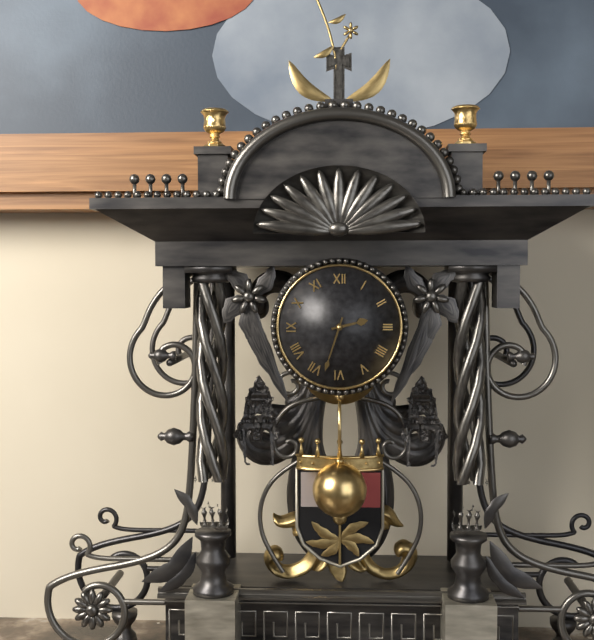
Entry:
2.33
